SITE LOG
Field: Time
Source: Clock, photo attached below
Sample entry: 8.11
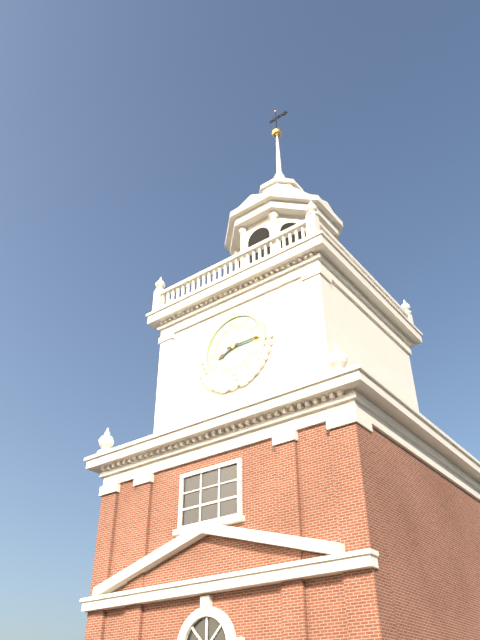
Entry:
8.15
